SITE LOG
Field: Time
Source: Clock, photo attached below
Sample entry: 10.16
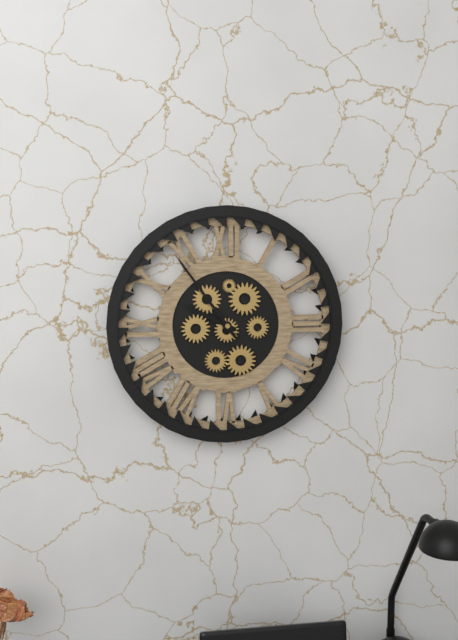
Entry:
9.54
